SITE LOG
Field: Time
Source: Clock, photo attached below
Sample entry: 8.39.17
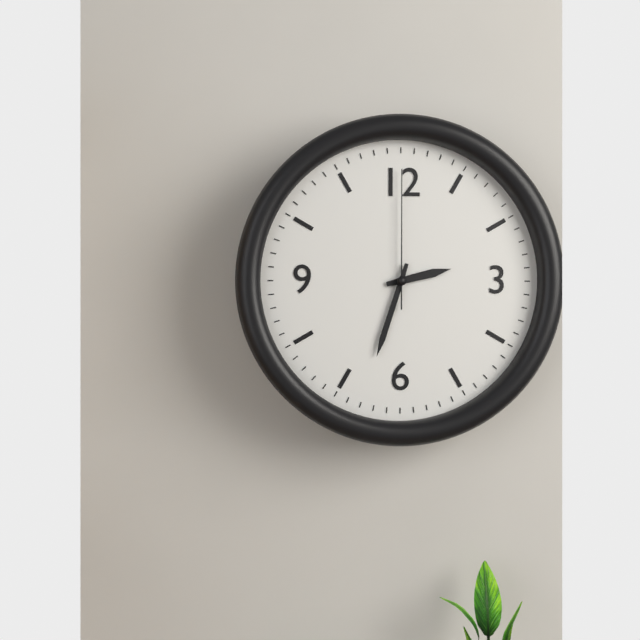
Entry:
2.33.00
